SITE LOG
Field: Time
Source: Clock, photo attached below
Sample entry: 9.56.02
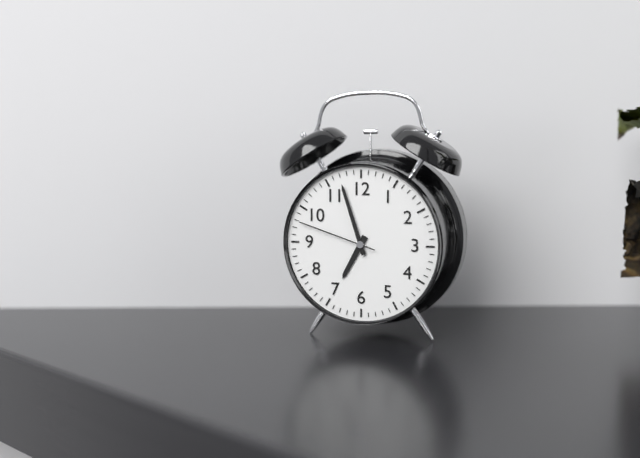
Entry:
6.57.48
